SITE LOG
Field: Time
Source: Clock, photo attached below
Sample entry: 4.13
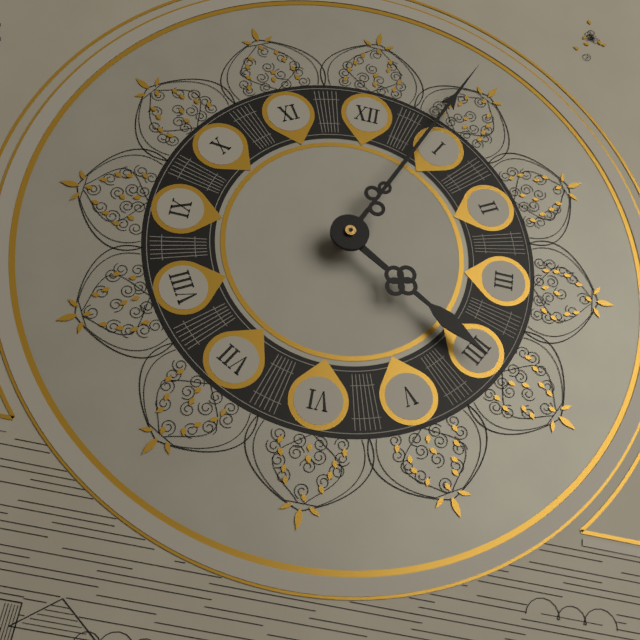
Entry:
4.04
